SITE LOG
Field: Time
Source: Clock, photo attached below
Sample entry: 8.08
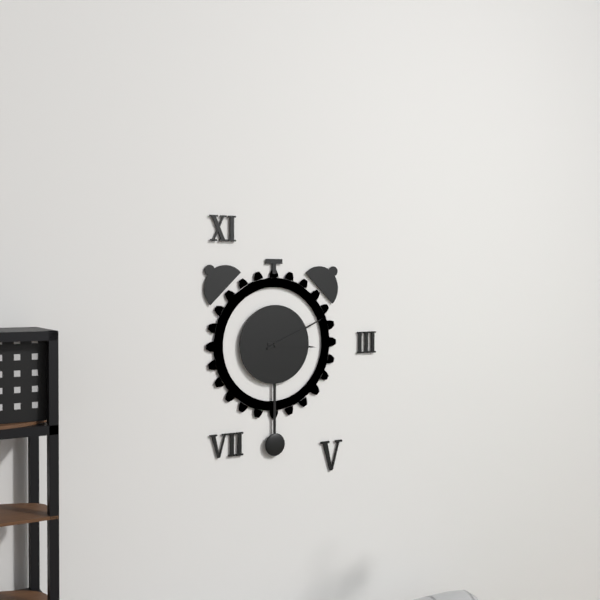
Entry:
3.11
